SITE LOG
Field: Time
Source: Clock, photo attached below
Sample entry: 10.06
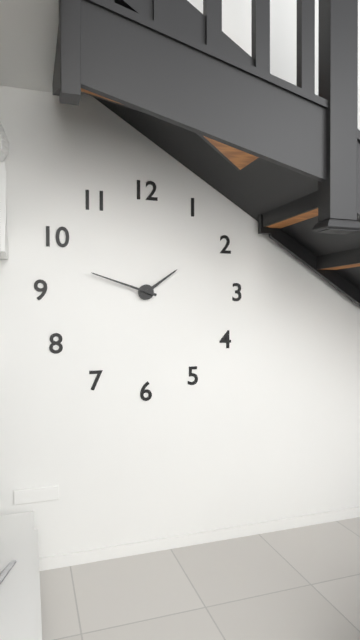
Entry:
1.48
